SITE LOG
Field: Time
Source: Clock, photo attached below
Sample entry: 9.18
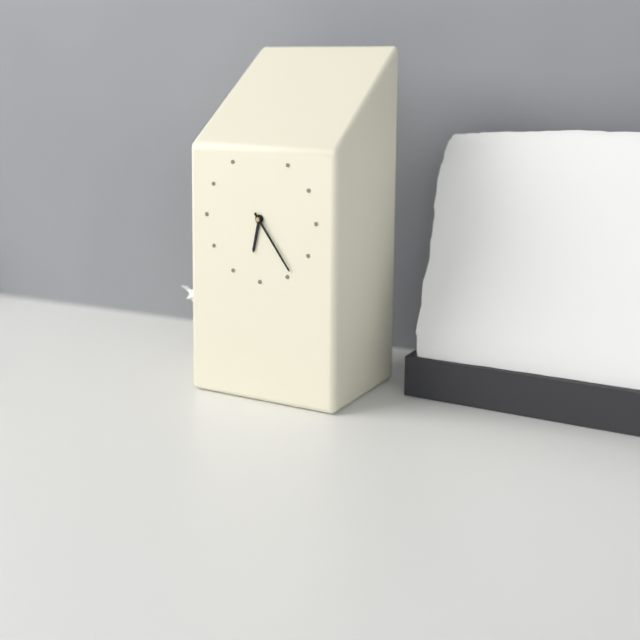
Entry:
6.24
